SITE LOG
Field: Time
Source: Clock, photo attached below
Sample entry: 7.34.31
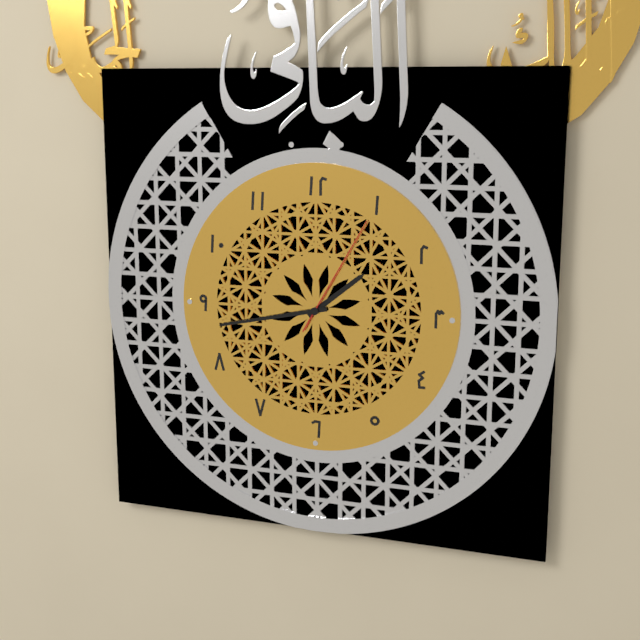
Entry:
1.43.05
